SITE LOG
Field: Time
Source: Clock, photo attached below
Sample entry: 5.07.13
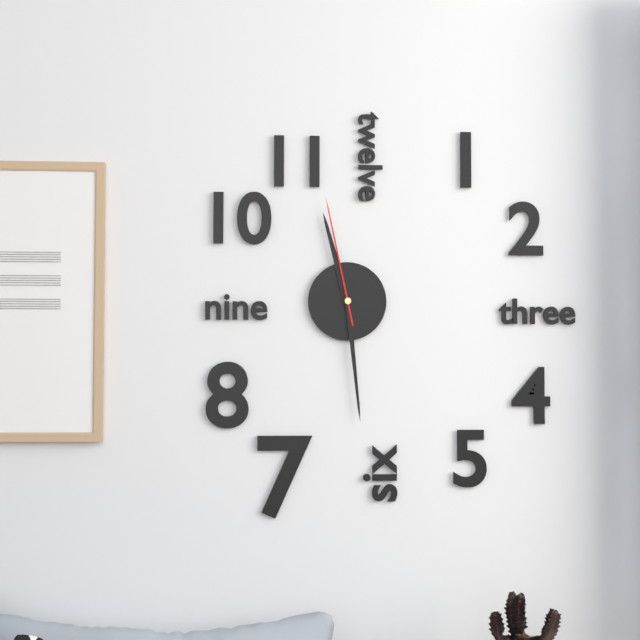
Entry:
11.29.58
